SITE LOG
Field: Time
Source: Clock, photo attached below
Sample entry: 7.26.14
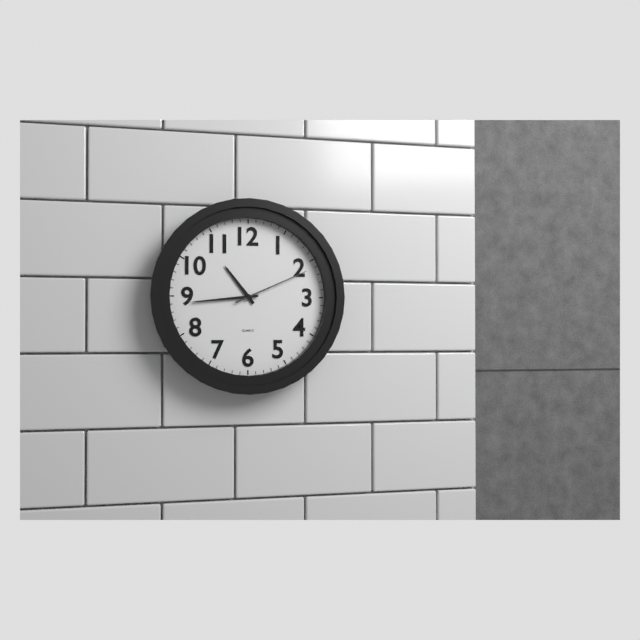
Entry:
10.44.11
